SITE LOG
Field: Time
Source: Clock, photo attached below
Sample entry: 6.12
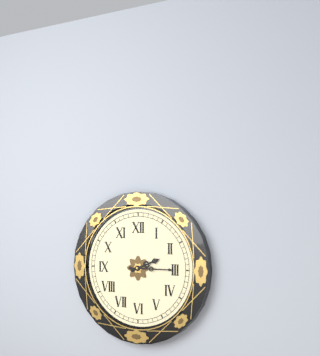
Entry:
2.15
